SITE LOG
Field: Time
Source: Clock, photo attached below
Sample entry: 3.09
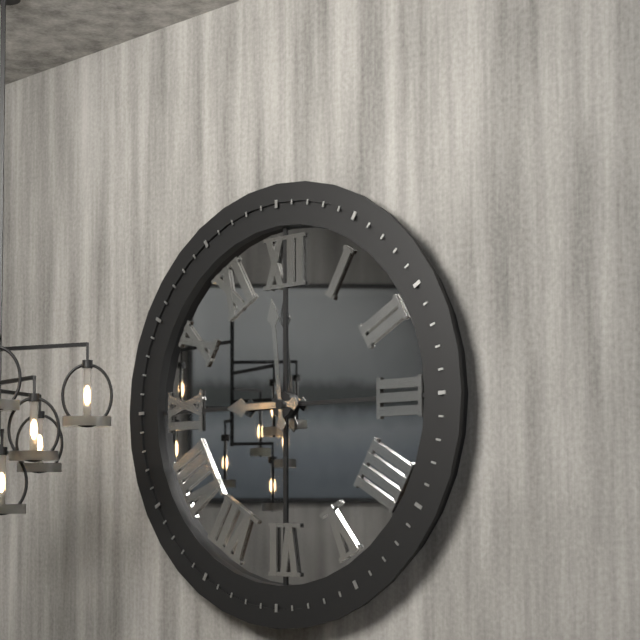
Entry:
8.59
